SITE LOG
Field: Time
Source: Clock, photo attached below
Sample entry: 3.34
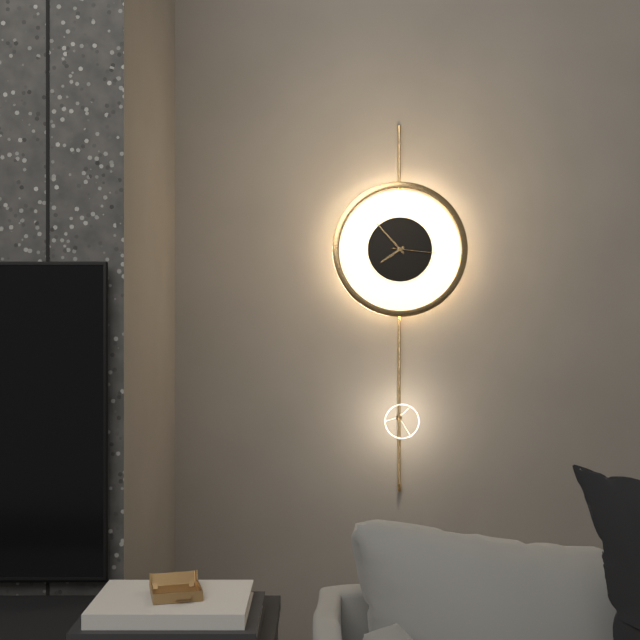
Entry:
7.53
